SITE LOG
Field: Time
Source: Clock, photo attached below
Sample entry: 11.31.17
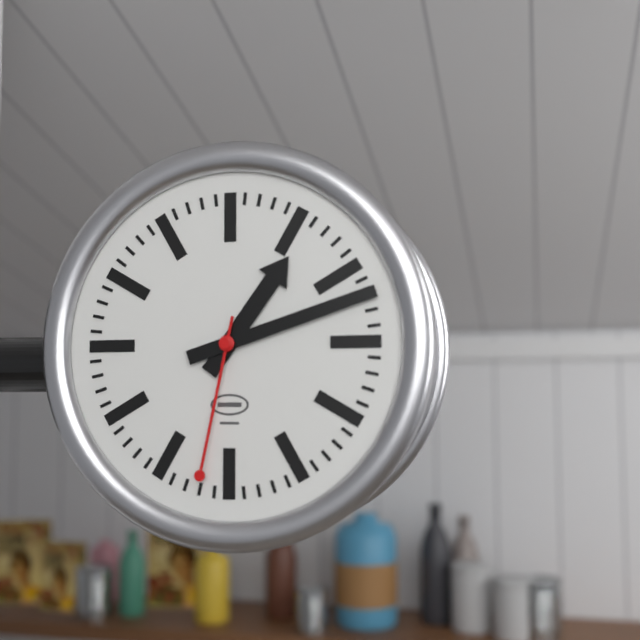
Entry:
1.12.32
